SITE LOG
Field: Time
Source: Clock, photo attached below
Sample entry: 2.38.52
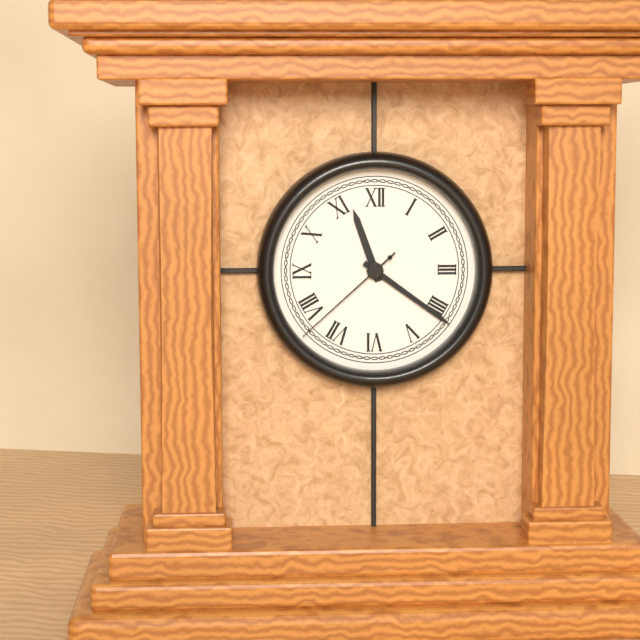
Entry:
11.21.38
